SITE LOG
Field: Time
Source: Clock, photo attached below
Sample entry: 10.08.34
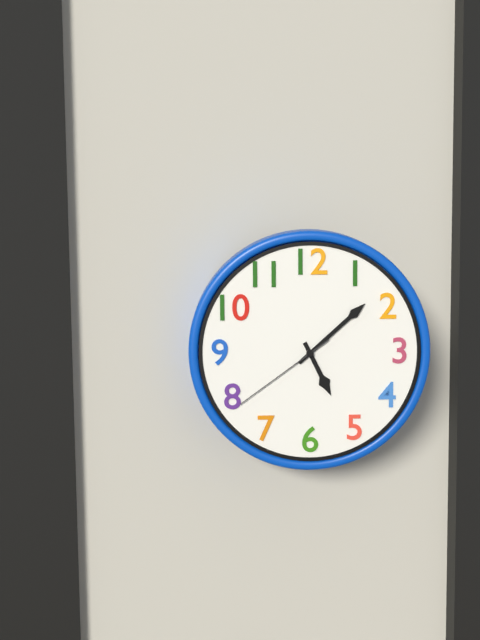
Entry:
5.08.39
